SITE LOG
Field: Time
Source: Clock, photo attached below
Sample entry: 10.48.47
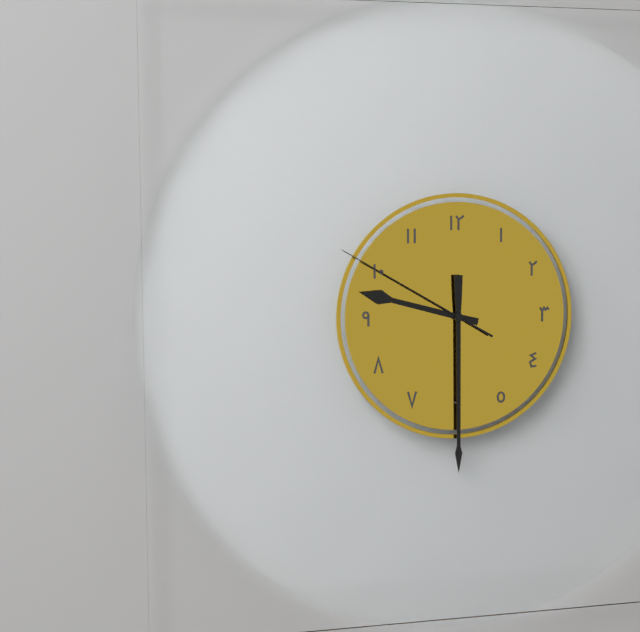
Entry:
9.30.50
